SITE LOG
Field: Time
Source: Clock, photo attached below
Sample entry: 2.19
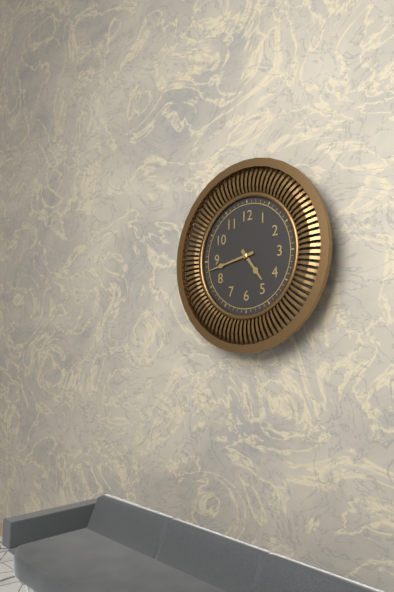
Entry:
4.43
